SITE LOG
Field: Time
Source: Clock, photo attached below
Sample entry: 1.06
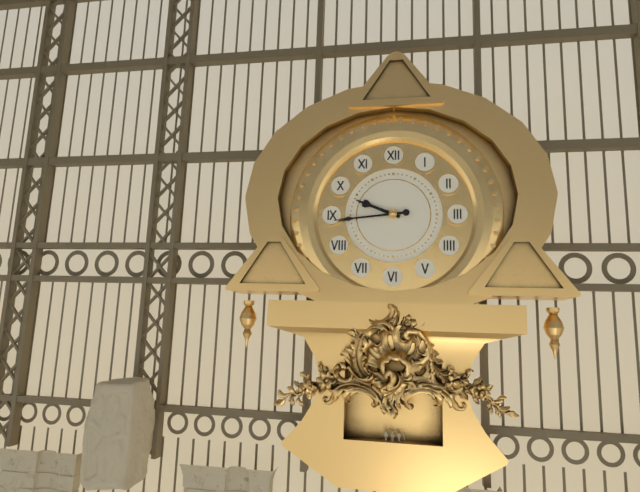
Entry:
9.44
